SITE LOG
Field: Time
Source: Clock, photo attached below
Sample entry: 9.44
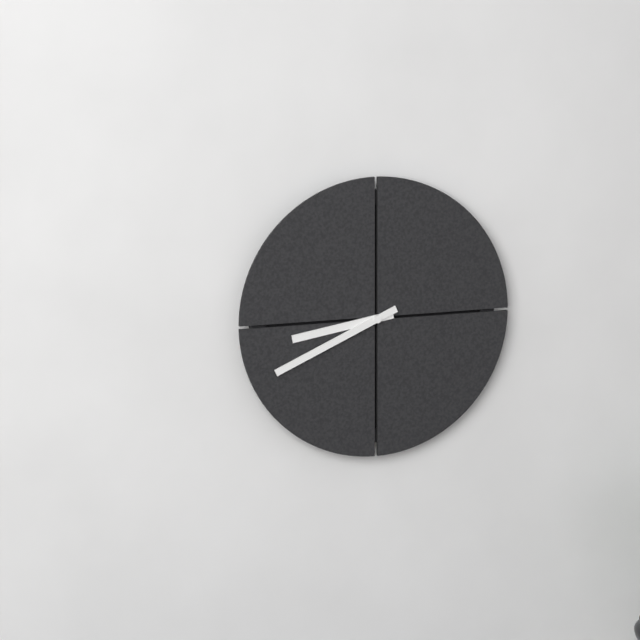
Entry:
8.41
